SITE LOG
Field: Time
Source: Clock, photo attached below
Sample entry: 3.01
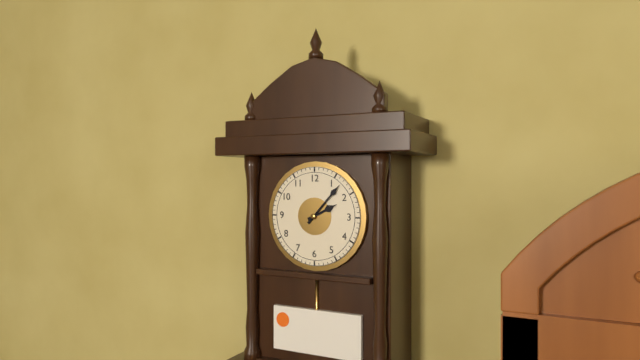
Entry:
2.07
